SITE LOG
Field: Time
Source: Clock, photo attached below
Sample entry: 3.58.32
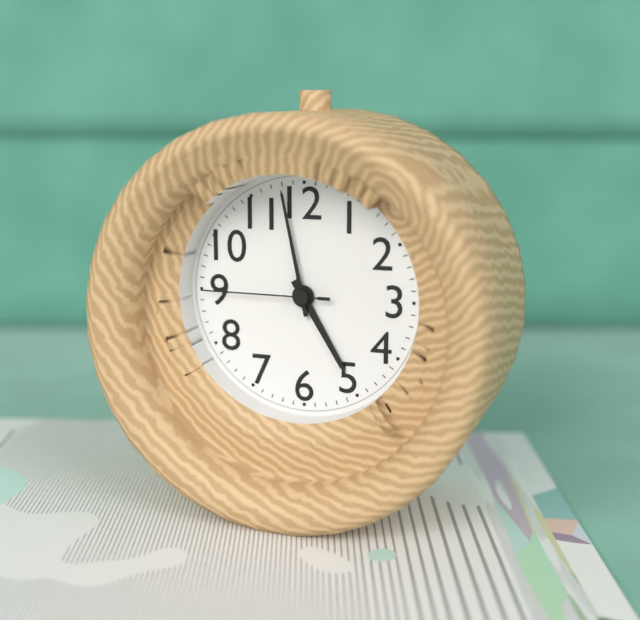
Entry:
4.58.45
